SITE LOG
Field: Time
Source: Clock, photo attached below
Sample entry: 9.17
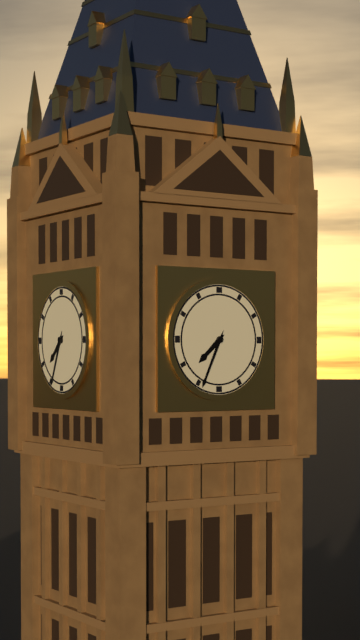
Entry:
7.34
